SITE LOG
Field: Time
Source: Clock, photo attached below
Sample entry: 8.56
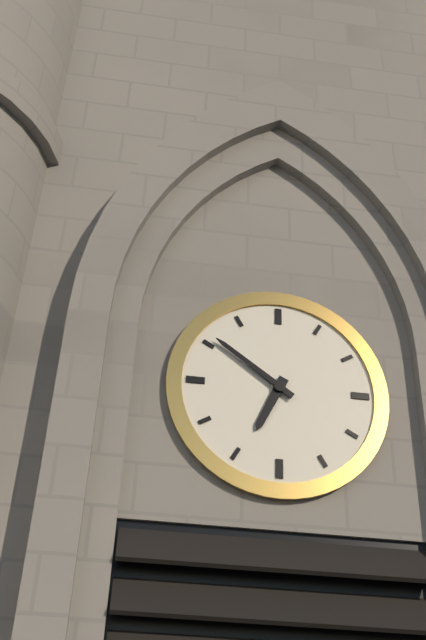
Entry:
6.51
